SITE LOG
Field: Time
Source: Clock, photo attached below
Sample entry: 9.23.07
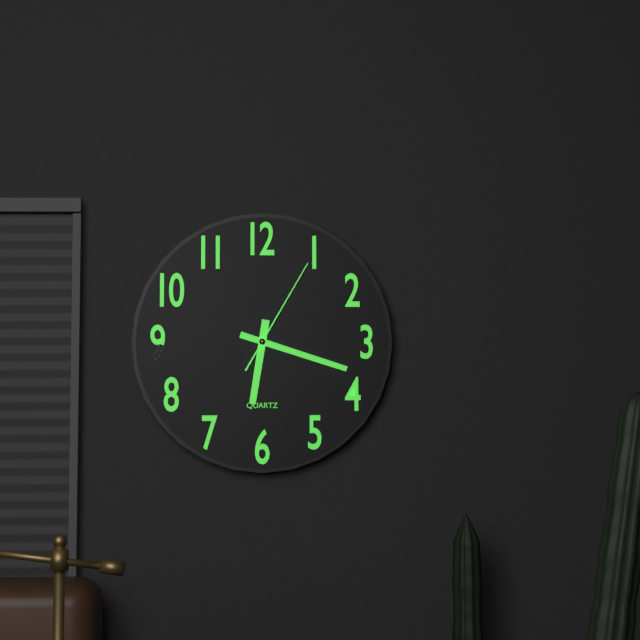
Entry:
6.18.05
